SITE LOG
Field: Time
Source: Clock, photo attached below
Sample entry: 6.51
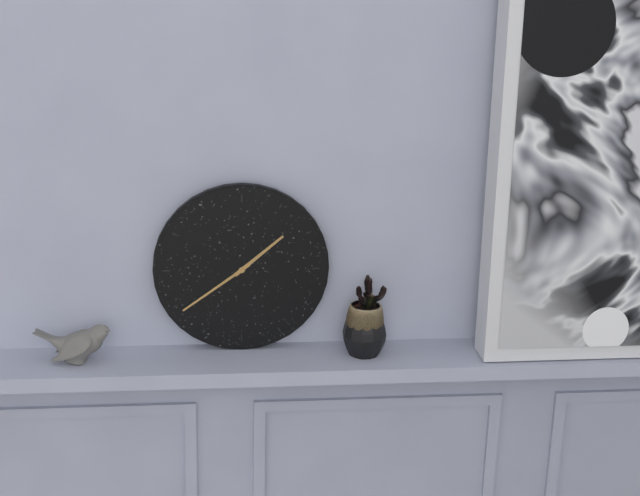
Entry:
1.39
